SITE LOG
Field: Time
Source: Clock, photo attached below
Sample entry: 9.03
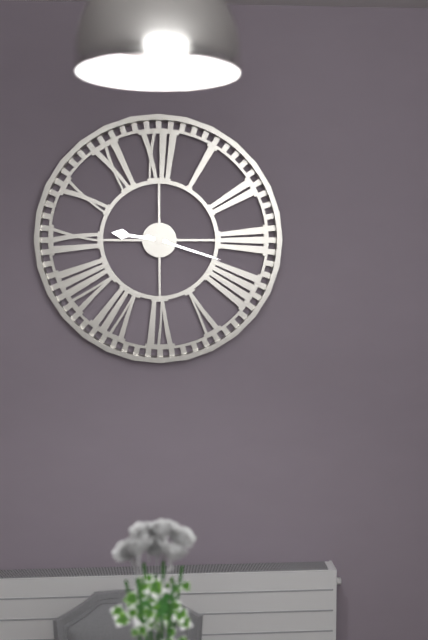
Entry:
9.18
